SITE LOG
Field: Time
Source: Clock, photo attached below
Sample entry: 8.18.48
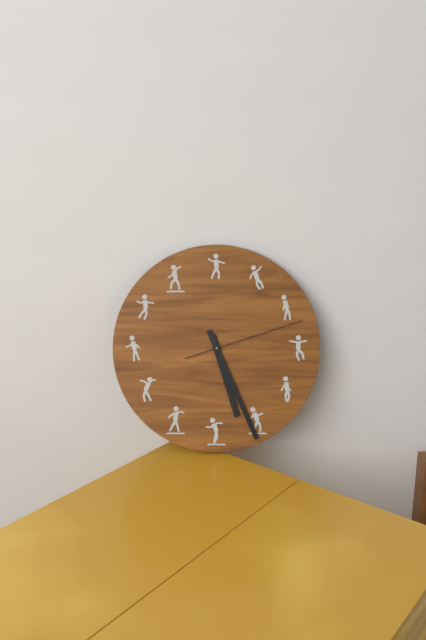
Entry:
5.26.12
